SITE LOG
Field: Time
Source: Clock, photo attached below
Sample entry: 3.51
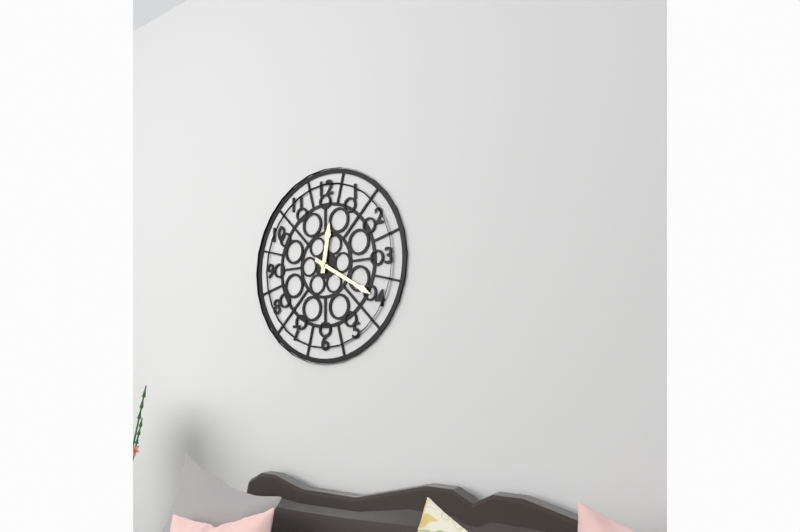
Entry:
12.20
